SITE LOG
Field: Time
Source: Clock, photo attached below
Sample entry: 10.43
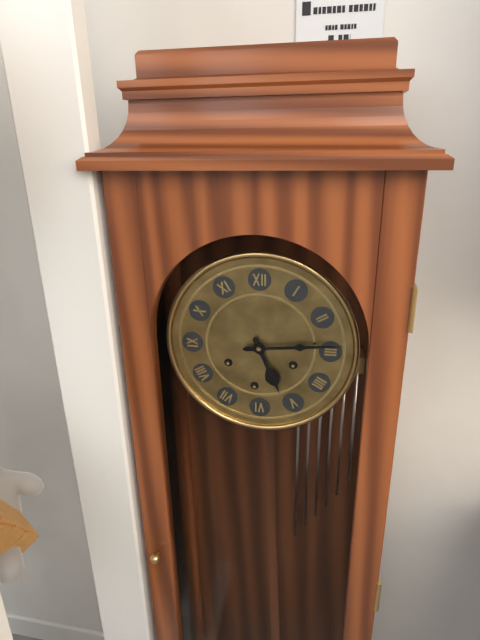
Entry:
5.14
